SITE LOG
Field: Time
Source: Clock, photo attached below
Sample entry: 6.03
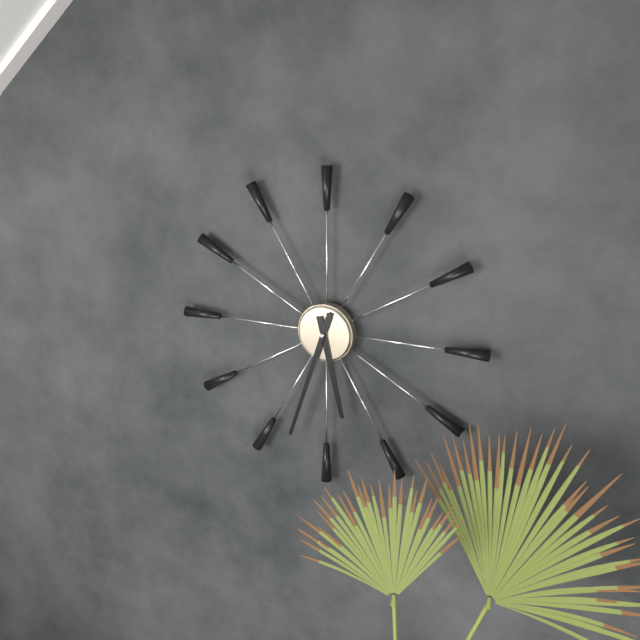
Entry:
5.33
